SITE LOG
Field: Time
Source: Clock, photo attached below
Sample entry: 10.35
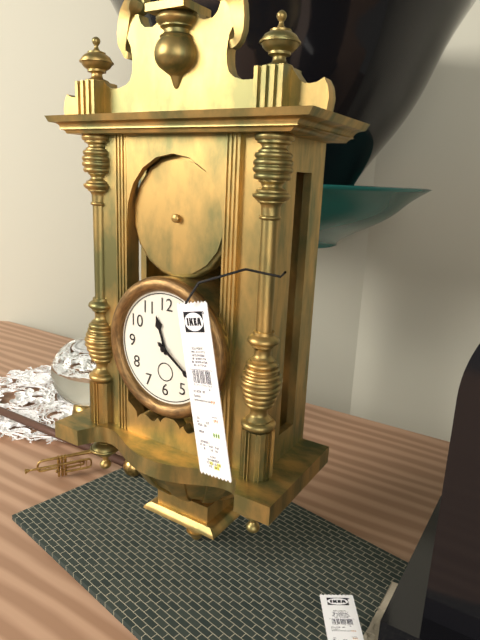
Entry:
11.21
